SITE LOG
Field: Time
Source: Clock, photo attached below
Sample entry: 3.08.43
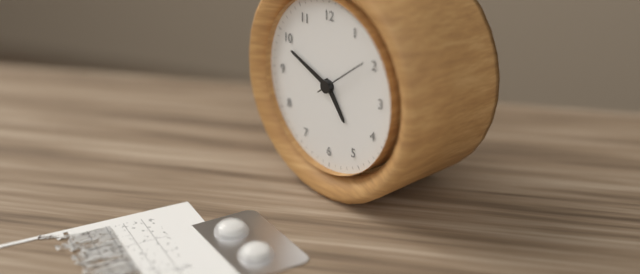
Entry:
4.49.09
